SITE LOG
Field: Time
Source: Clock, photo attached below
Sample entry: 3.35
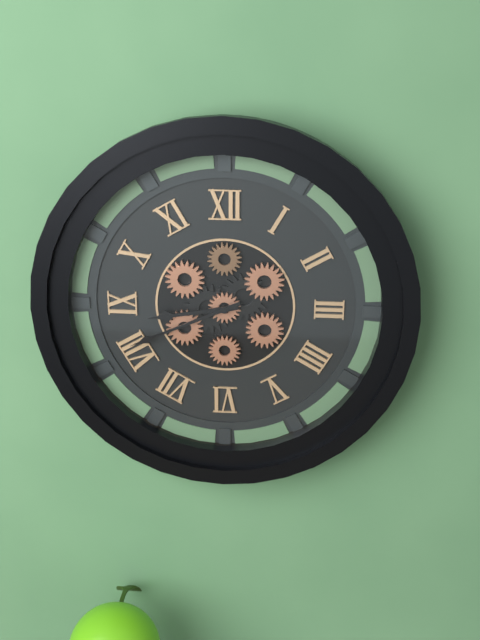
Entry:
8.41
